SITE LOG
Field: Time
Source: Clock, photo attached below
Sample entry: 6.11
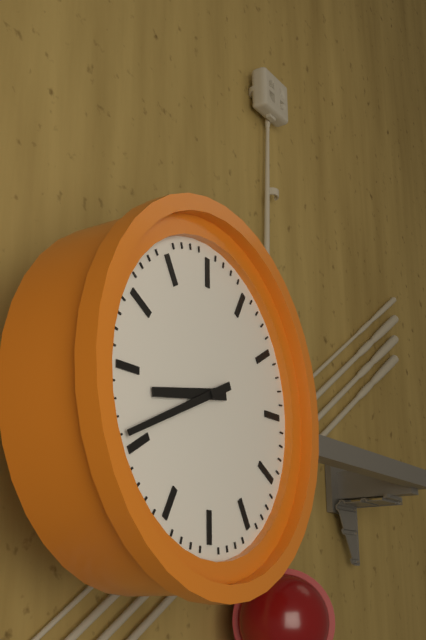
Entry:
8.41
